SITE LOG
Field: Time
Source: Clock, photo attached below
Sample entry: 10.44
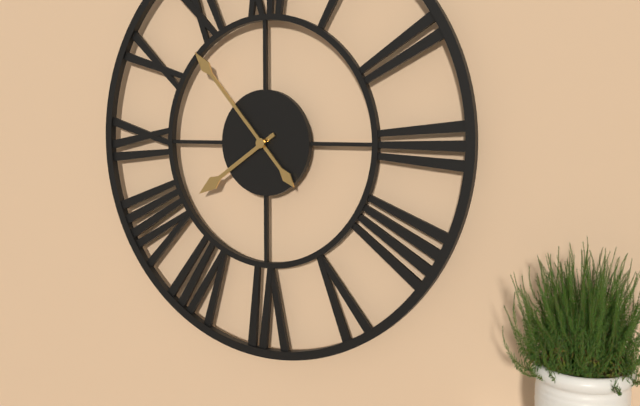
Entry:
7.53
